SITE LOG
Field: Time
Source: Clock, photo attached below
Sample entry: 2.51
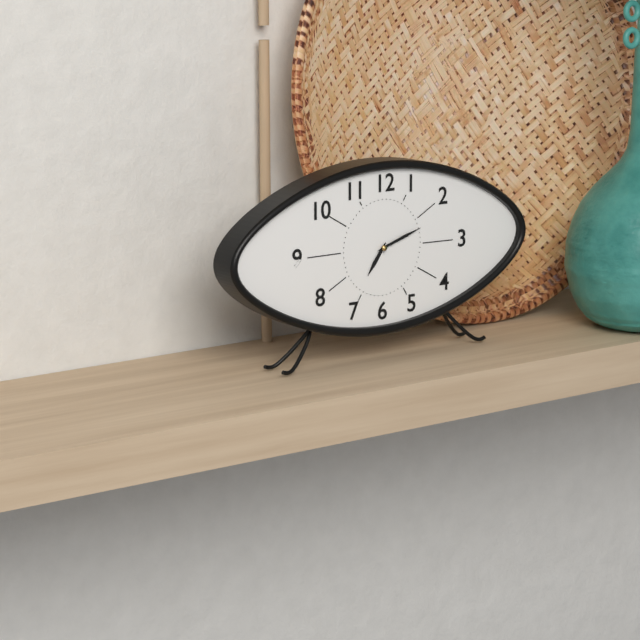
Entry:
7.12
